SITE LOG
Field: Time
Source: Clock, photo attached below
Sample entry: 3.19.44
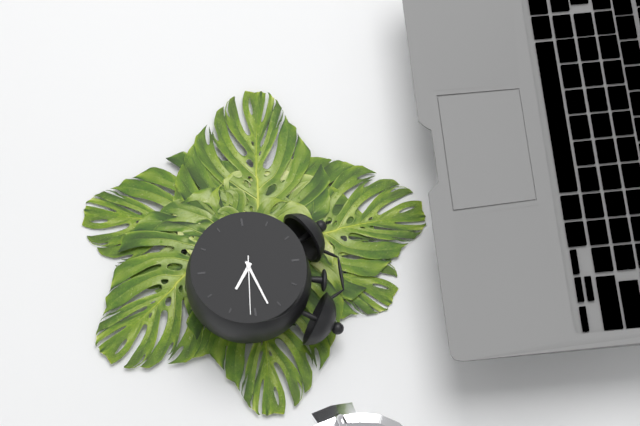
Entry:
4.12.16
